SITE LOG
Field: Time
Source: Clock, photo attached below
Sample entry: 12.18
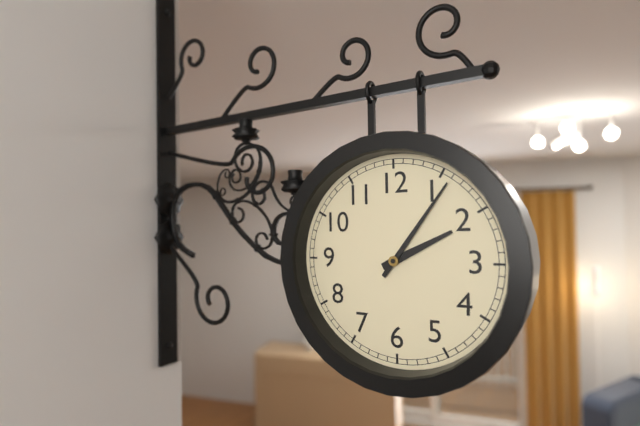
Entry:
2.06
